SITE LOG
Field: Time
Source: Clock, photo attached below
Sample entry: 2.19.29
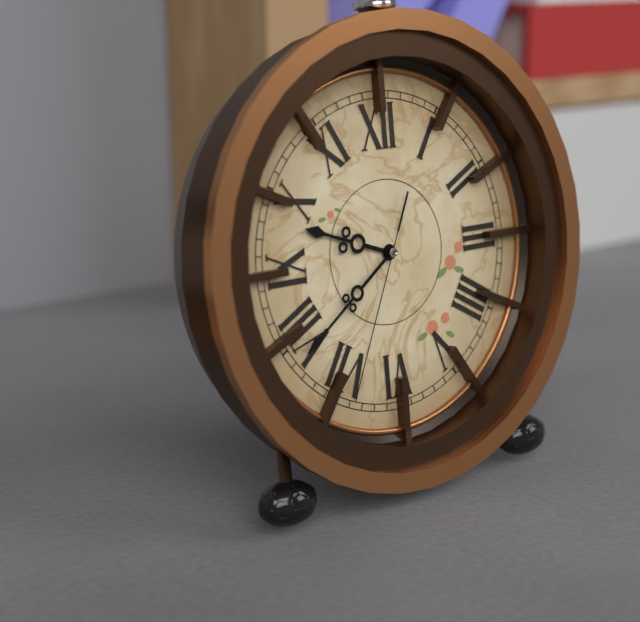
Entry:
9.39.34
